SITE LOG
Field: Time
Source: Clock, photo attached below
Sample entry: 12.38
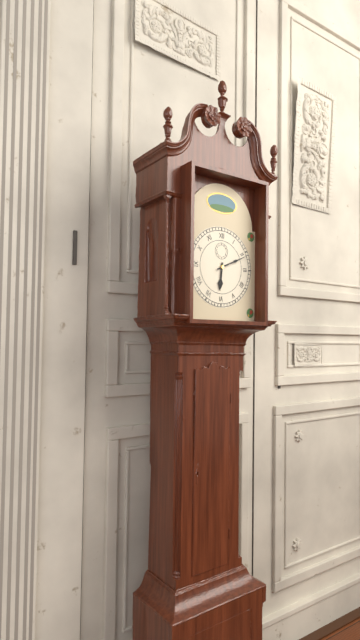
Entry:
6.11
